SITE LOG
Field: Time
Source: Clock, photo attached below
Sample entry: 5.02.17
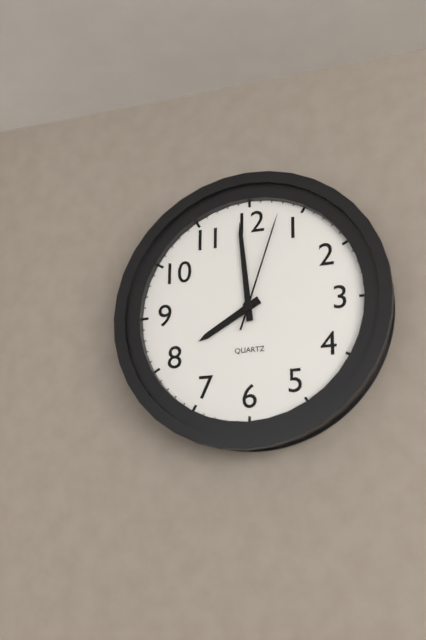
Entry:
7.59.03
